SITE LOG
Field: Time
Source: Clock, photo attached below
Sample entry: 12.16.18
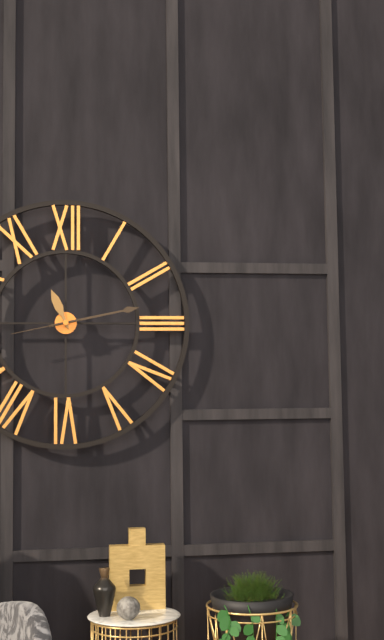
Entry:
11.13.43
